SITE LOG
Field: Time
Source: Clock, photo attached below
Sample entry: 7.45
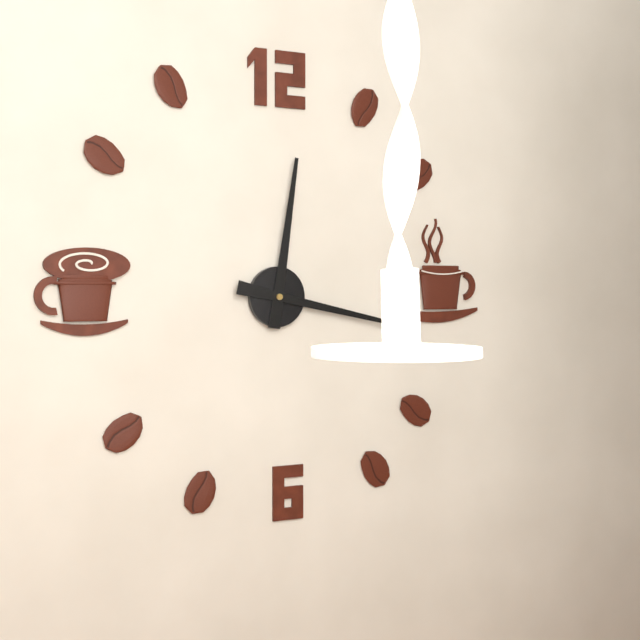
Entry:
12.17
